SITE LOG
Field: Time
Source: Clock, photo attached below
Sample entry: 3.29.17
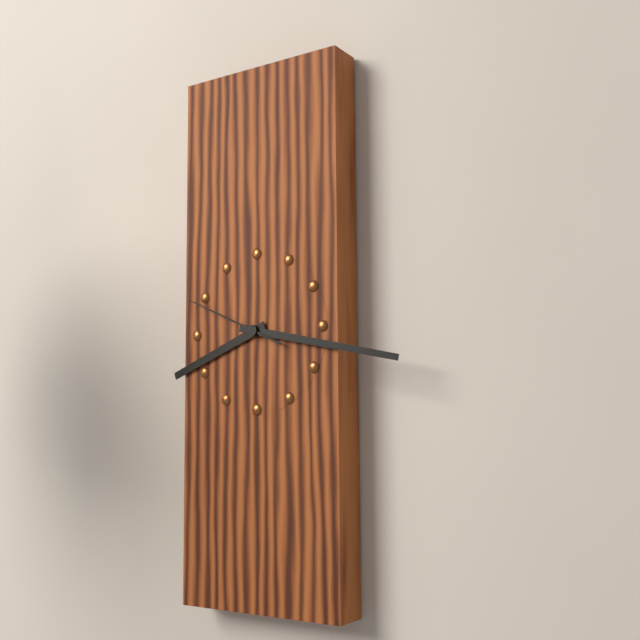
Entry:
8.17.49
